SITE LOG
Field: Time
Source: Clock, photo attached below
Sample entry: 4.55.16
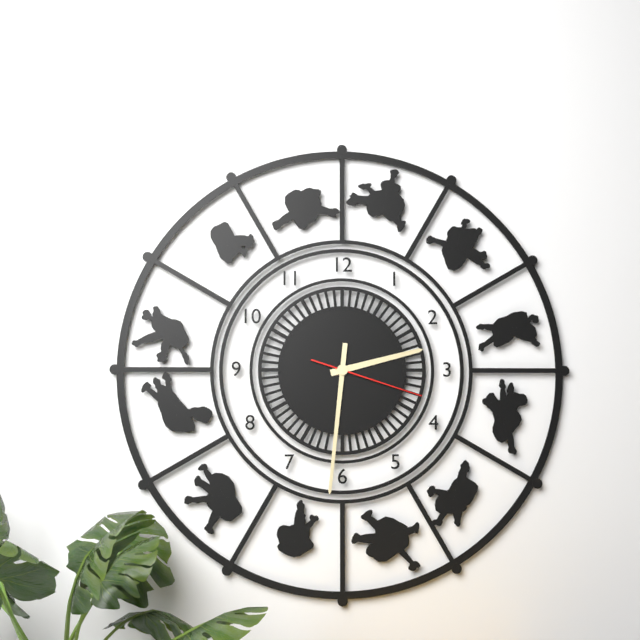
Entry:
2.31.18
